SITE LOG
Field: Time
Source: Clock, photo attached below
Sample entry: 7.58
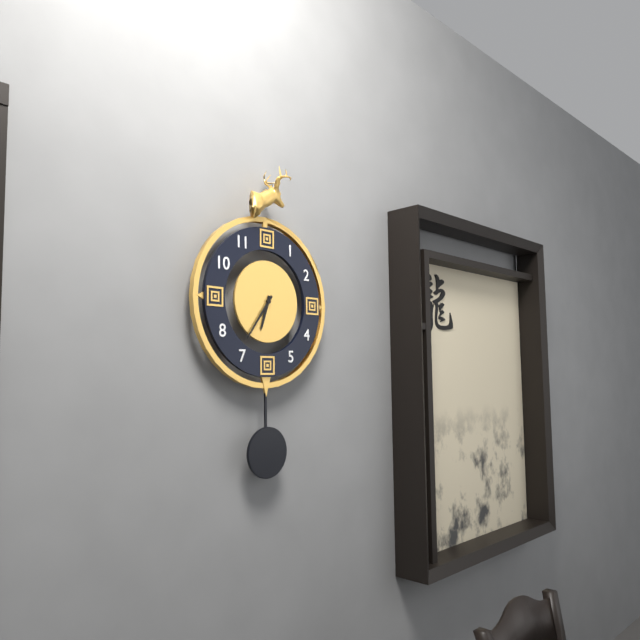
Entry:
6.36
